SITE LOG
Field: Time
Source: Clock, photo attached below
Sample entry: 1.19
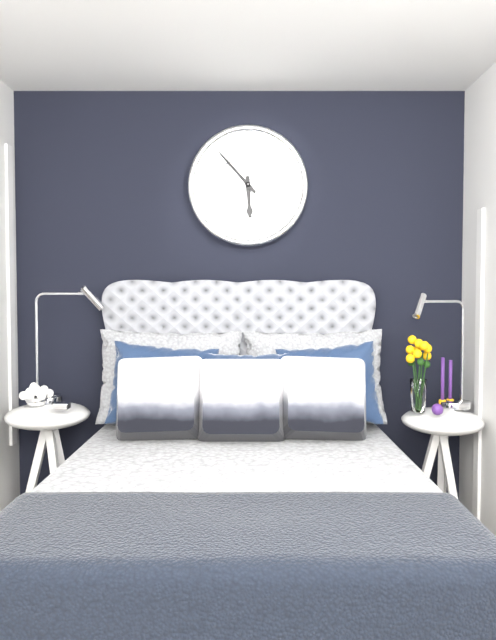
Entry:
5.53
